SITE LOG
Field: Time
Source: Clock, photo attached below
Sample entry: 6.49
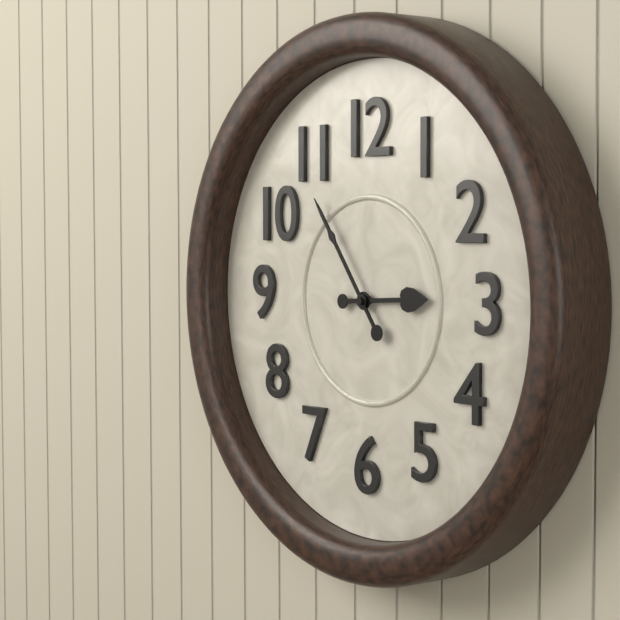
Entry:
2.54
